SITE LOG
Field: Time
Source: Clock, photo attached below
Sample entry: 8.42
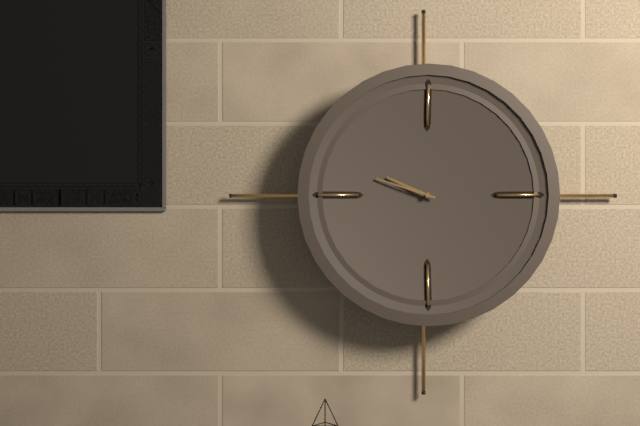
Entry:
9.48
